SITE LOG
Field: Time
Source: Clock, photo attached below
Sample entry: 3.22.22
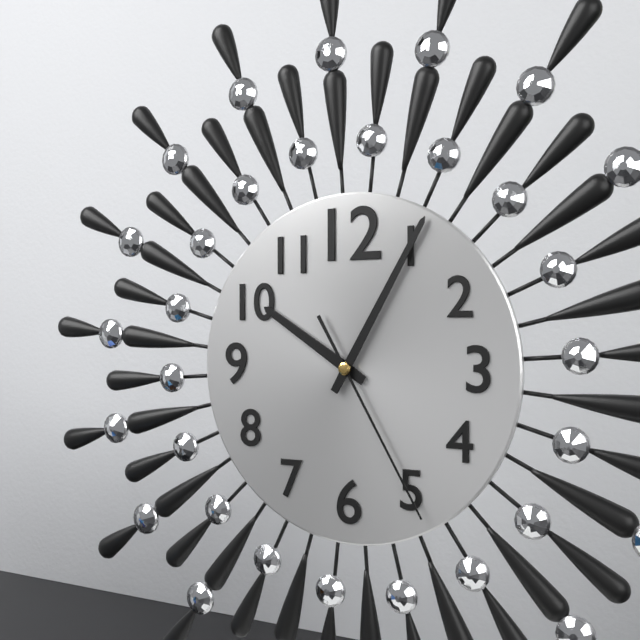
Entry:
10.05.25
